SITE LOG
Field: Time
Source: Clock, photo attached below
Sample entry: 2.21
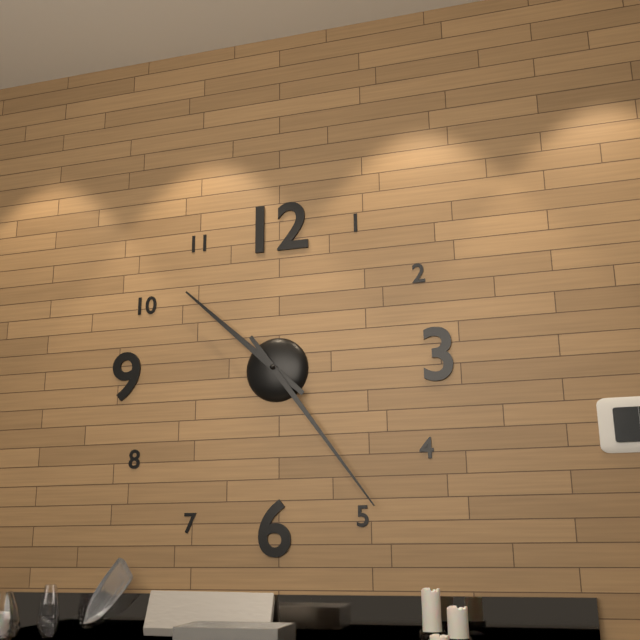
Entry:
10.24
